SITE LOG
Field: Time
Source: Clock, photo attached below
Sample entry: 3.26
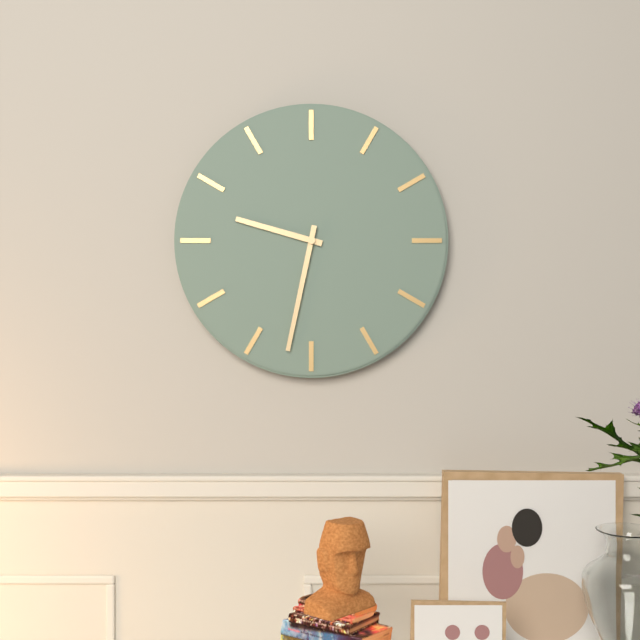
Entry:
9.32
